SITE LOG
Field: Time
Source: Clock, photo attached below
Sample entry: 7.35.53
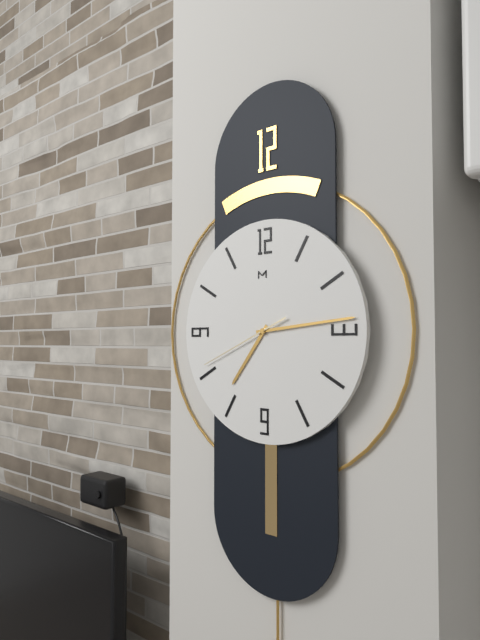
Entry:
7.14.41
